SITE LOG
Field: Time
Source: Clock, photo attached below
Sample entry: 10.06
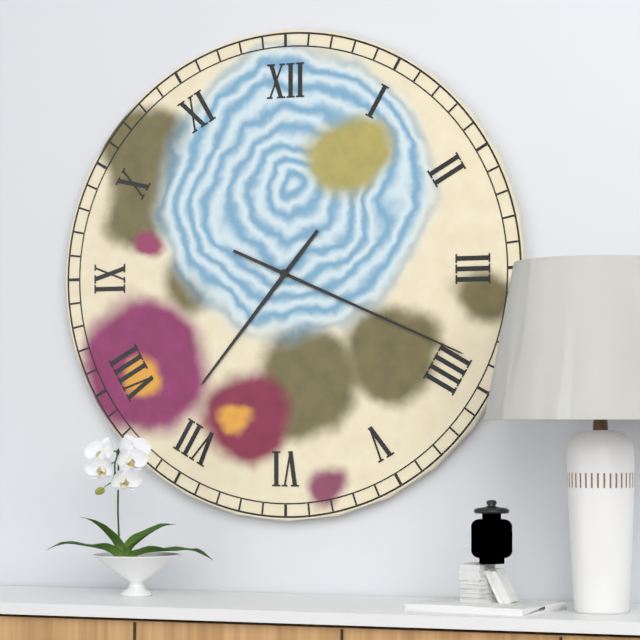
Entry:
7.19
